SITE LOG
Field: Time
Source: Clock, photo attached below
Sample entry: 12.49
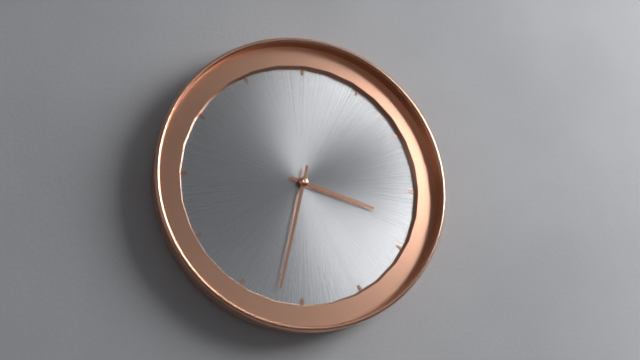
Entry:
3.32
